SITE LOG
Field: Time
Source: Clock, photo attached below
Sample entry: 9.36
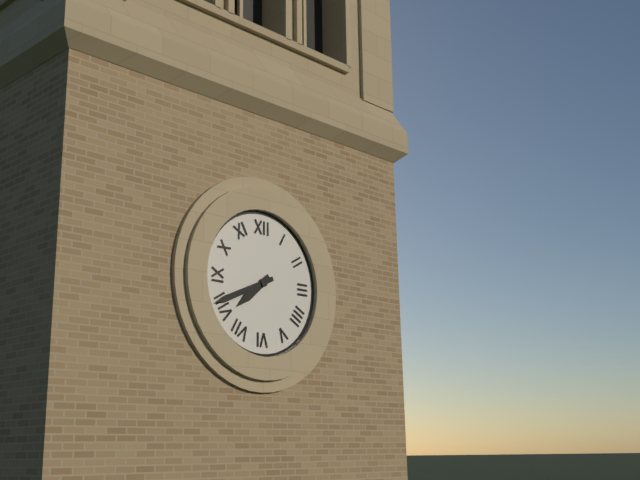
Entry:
7.41
